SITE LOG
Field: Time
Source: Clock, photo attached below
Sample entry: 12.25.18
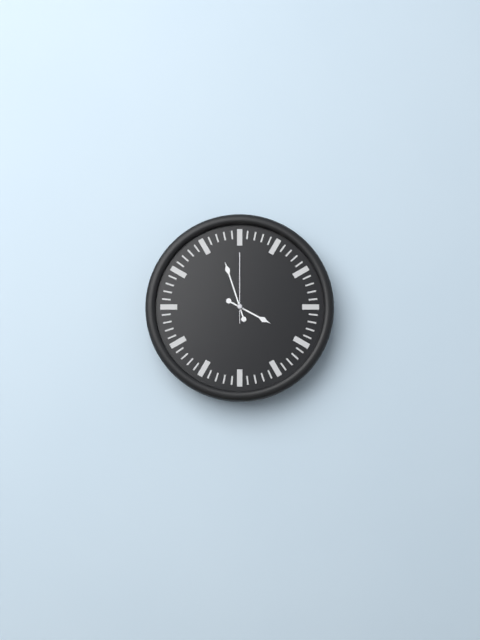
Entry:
3.57.00
